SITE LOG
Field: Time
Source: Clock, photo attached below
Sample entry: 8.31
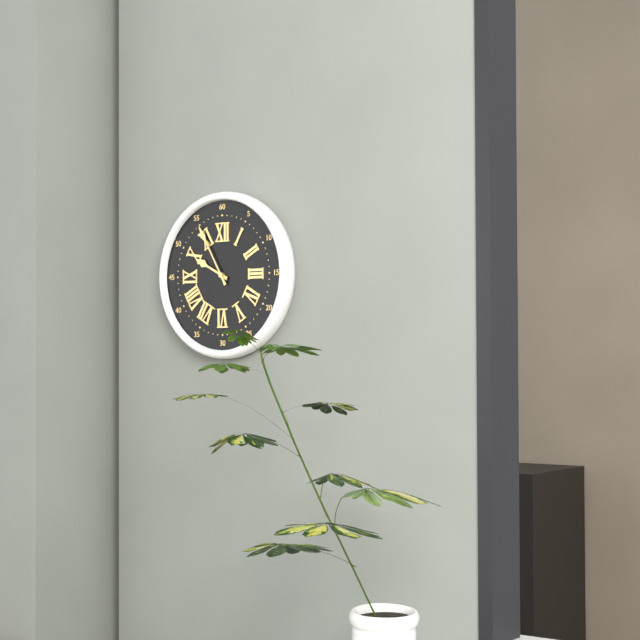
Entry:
9.55
